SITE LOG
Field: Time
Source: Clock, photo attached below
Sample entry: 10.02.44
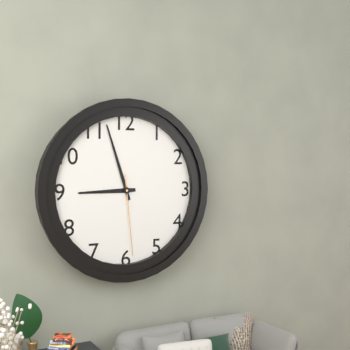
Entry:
8.57.29
